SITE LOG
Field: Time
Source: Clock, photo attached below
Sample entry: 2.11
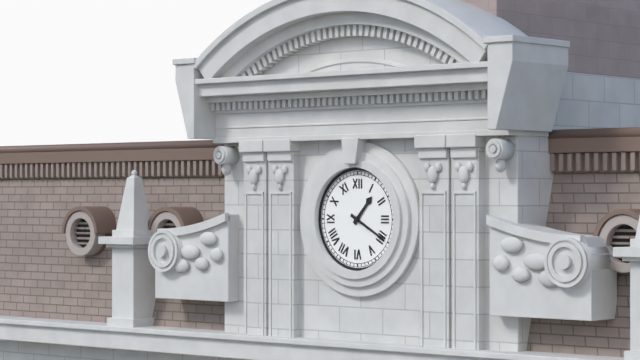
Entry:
1.20
